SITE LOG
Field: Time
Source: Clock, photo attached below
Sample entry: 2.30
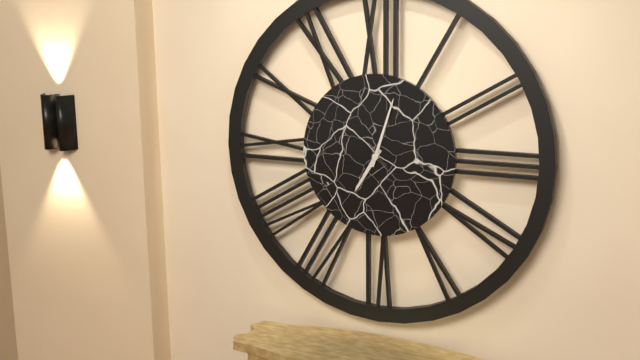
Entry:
7.03
